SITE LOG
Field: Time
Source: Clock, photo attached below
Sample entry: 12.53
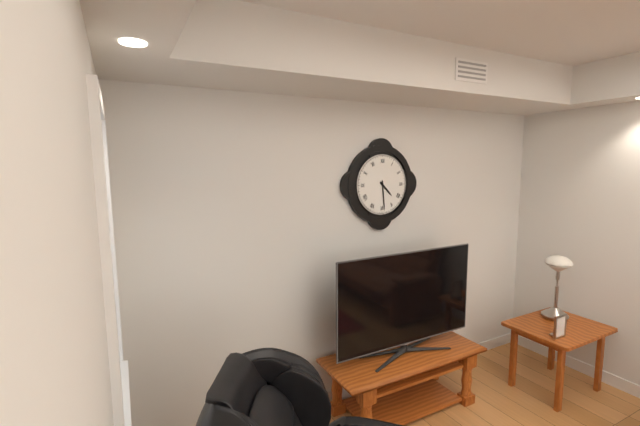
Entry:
4.29
